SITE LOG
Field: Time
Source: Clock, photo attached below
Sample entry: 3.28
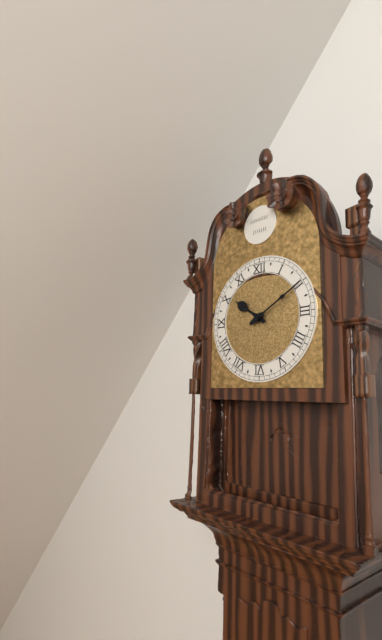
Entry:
10.10
